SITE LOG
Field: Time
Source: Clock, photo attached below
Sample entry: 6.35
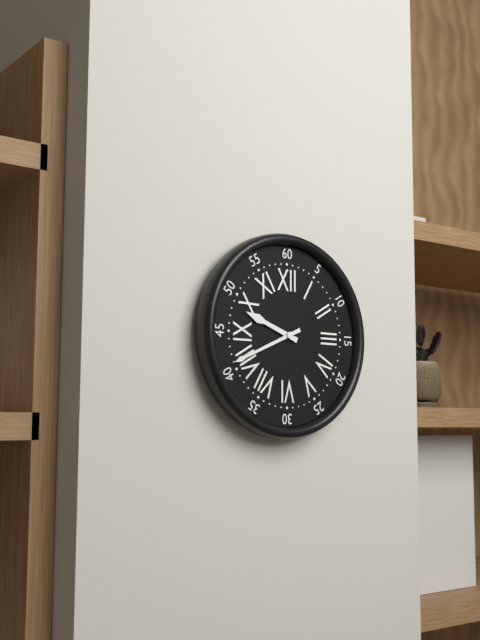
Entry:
9.41
